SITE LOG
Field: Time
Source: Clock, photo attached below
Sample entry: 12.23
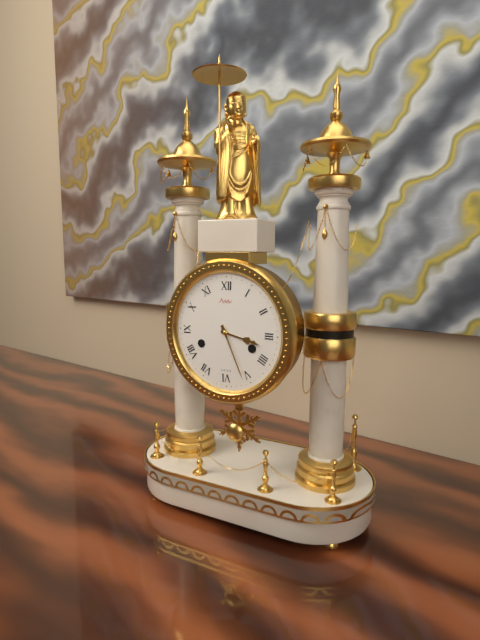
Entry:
3.26
